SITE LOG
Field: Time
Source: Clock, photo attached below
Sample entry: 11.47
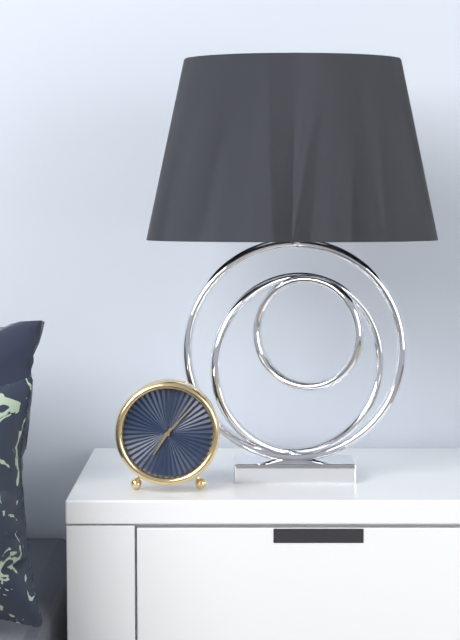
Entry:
7.07
